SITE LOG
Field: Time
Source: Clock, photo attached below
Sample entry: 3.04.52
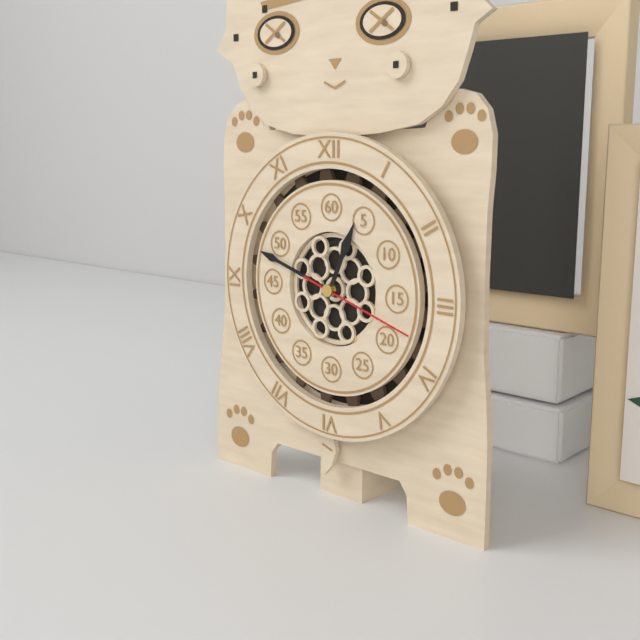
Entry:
12.48.18
